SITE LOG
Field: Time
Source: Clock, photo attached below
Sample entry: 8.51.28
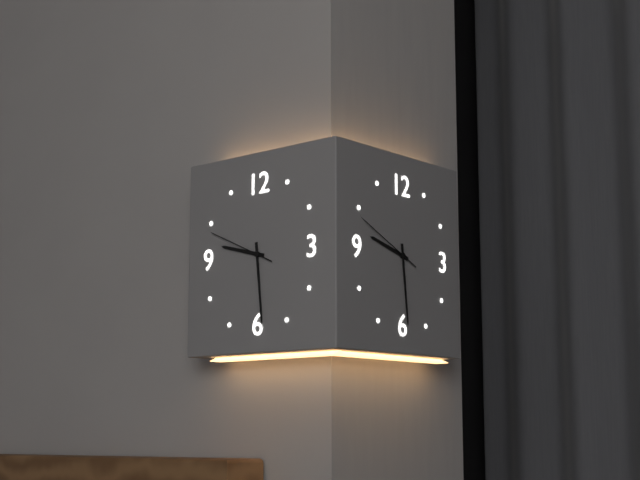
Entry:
9.29.49
